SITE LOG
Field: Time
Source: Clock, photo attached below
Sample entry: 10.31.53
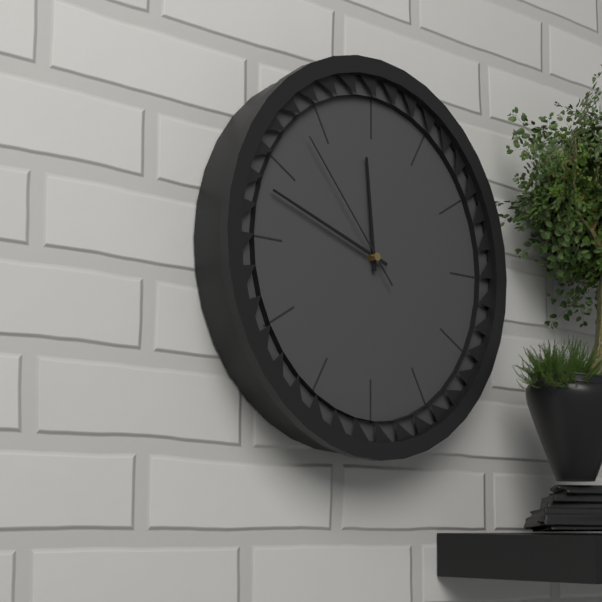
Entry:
11.48.53
